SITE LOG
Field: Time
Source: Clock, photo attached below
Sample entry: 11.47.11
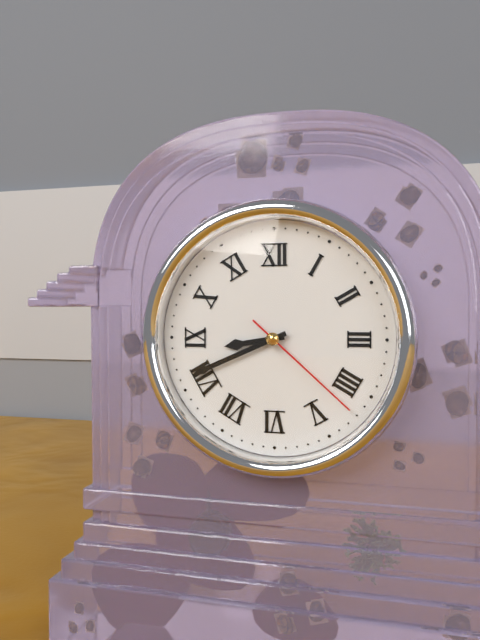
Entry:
8.41.22
